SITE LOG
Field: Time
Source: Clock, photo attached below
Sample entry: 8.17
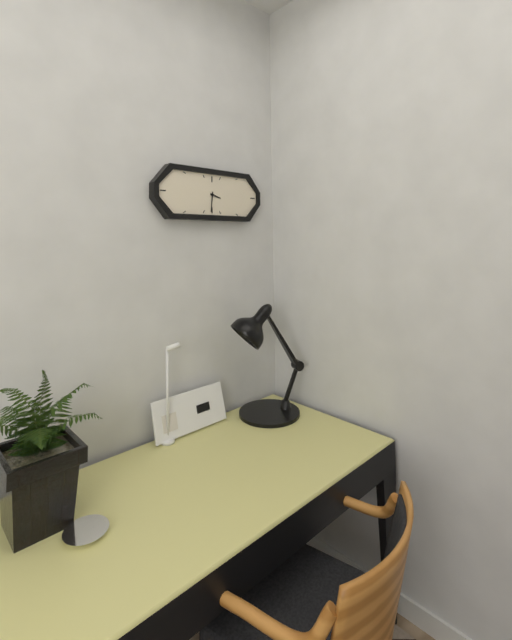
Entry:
3.31
